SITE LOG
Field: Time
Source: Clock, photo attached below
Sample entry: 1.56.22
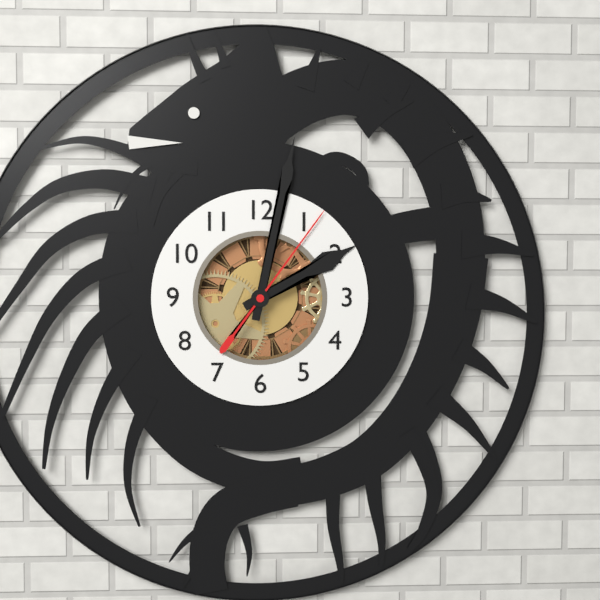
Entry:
2.02.06
